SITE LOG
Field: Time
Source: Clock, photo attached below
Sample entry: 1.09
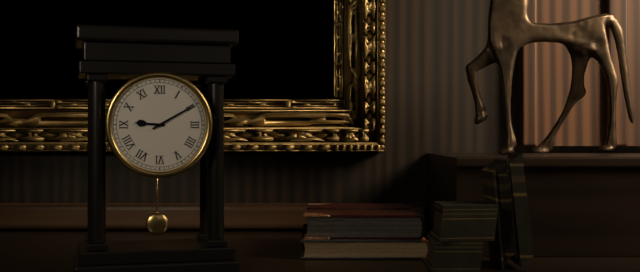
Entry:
9.10
